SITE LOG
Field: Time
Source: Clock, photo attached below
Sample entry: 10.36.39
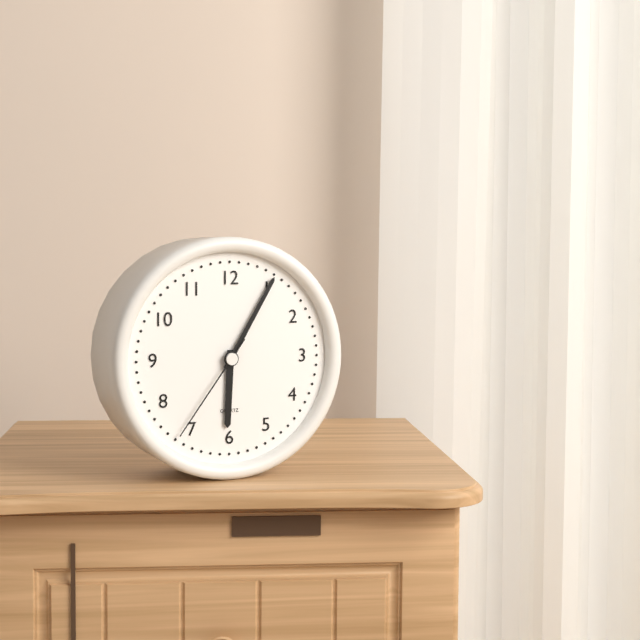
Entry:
6.05.36
